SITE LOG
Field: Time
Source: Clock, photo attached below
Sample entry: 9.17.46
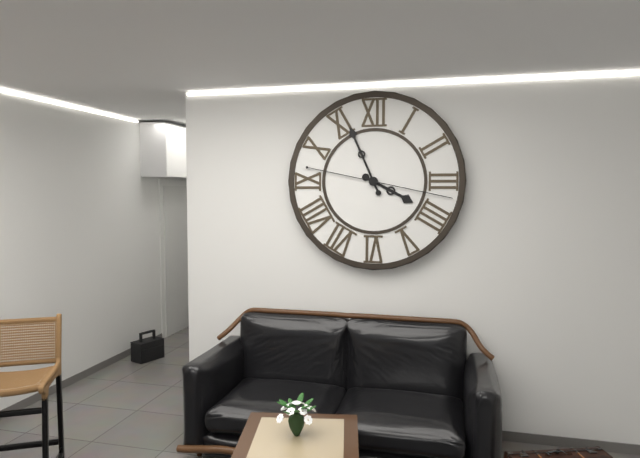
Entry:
3.56.17
